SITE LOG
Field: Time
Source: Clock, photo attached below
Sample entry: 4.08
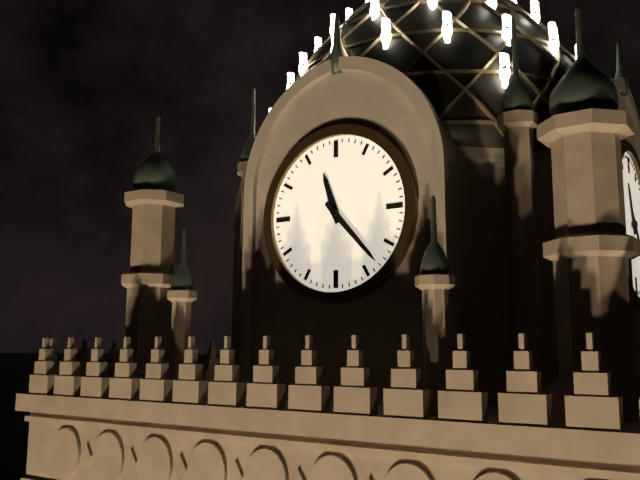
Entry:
11.23
